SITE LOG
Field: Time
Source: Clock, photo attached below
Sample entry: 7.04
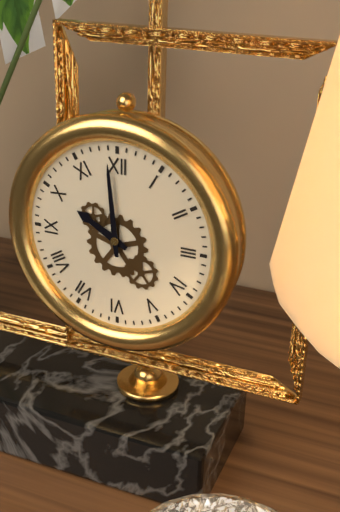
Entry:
9.59
